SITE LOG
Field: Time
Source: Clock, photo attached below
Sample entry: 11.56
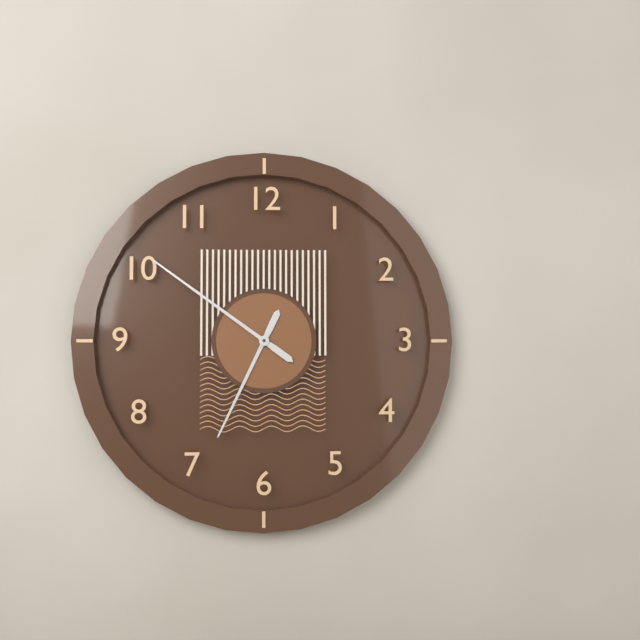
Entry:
6.51
